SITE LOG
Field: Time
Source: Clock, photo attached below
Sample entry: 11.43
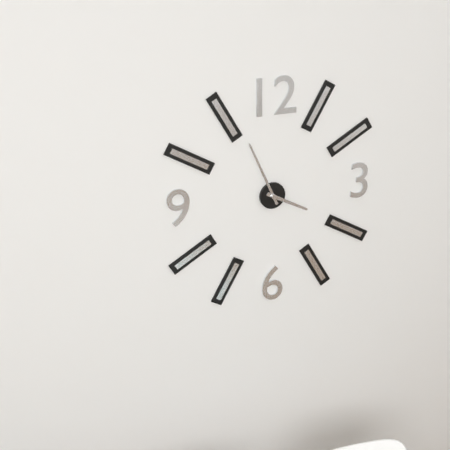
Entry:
3.56
